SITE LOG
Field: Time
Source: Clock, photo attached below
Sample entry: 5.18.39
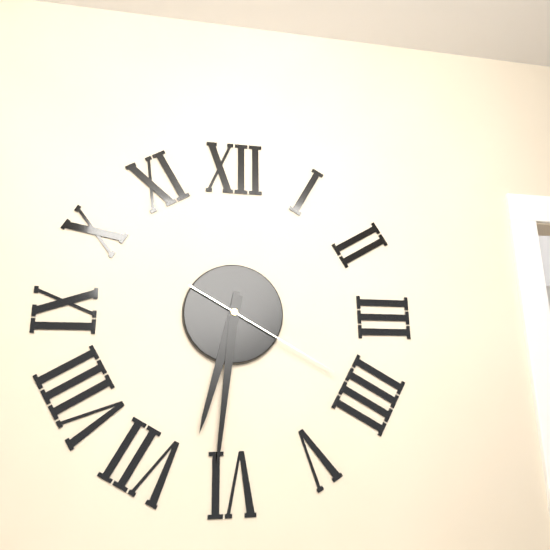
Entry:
6.31.20
